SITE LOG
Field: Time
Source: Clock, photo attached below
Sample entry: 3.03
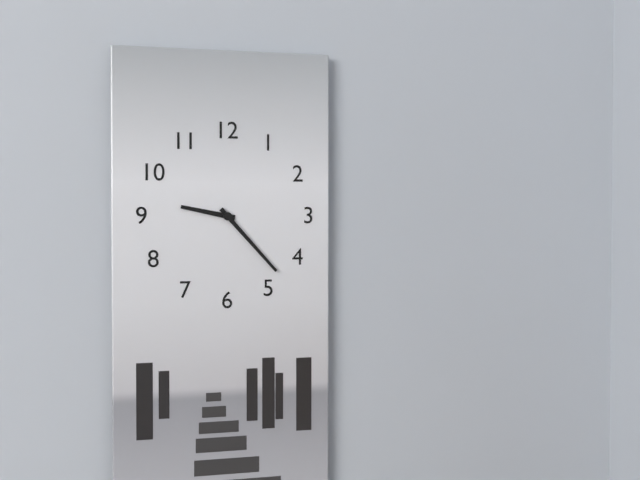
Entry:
9.23
